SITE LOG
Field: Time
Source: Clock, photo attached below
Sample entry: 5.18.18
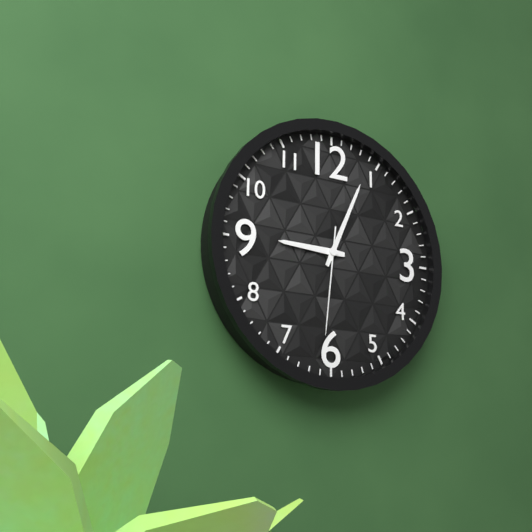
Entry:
9.04.31
